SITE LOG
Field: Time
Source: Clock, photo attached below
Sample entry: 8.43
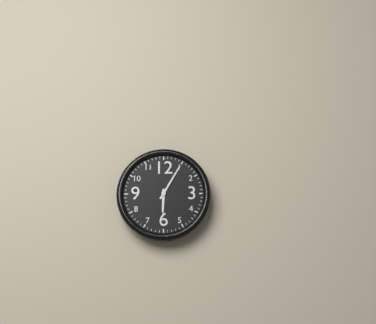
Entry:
6.05
